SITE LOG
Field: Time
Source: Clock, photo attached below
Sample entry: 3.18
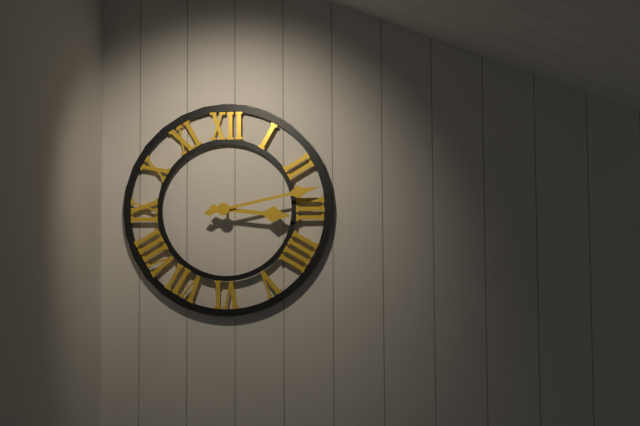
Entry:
3.13
